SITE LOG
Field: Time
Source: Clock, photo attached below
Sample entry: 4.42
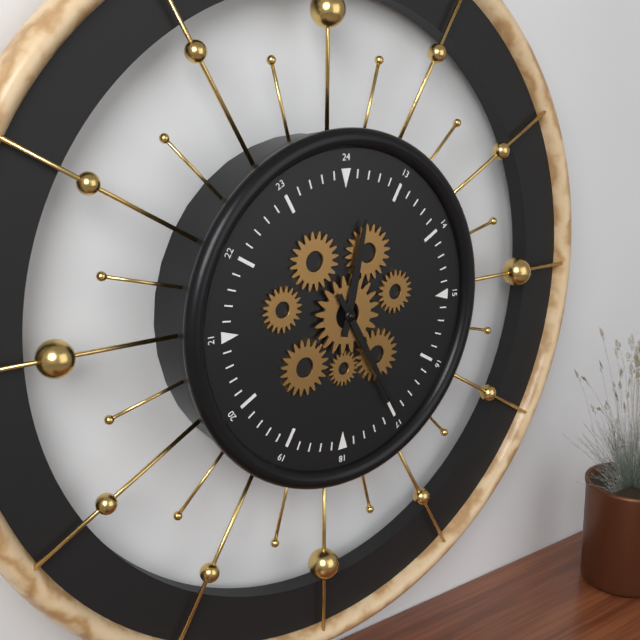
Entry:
12.25
